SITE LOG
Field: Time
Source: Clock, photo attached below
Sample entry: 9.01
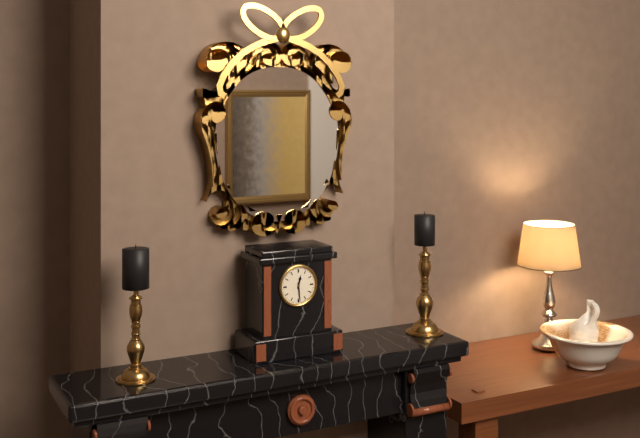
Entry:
12.29
